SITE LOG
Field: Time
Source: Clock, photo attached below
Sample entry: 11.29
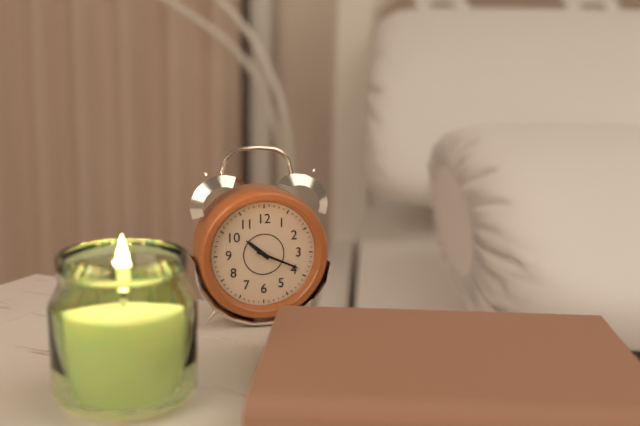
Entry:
10.19
